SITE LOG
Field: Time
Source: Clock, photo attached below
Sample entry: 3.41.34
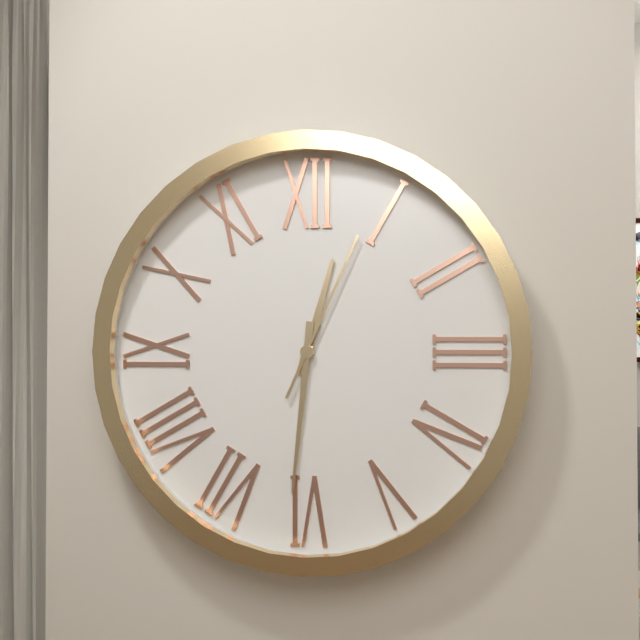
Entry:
12.31.04
